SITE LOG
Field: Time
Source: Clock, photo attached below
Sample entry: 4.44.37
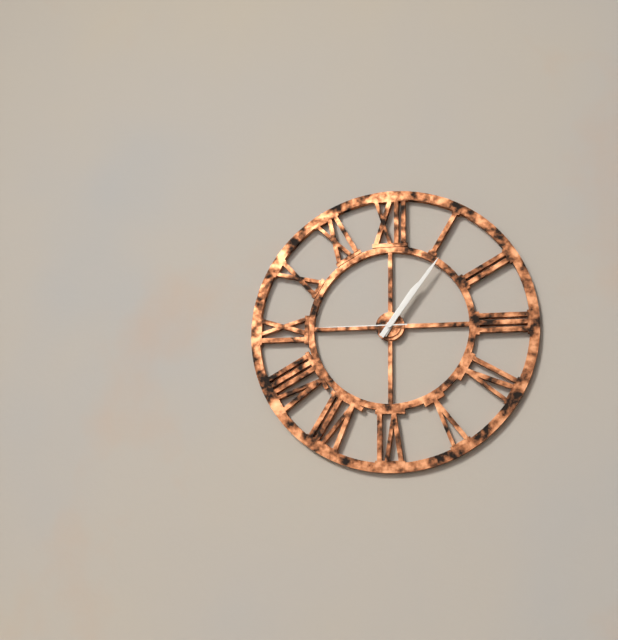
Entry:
1.06.45
